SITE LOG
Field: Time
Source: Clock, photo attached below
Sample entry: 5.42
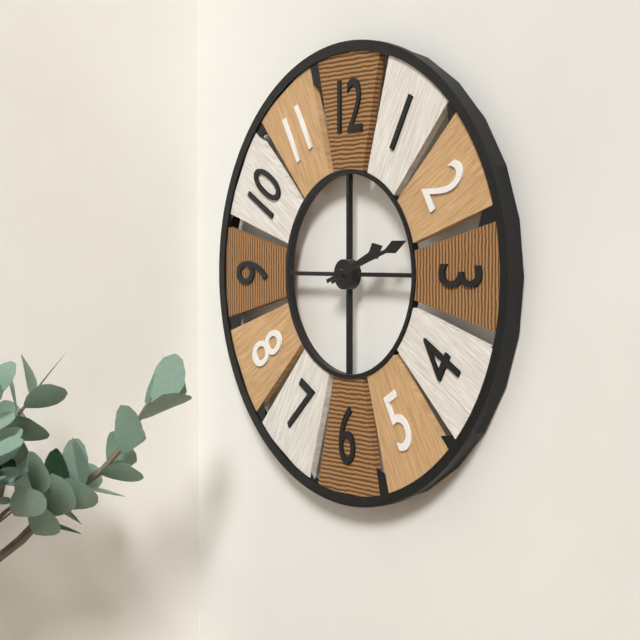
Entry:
2.12
